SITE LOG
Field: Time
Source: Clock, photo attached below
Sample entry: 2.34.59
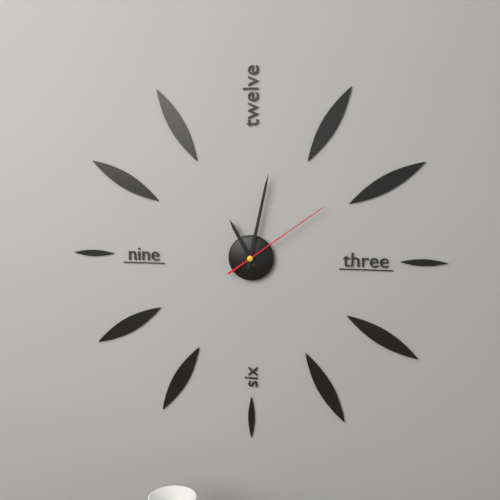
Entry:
11.02.09
